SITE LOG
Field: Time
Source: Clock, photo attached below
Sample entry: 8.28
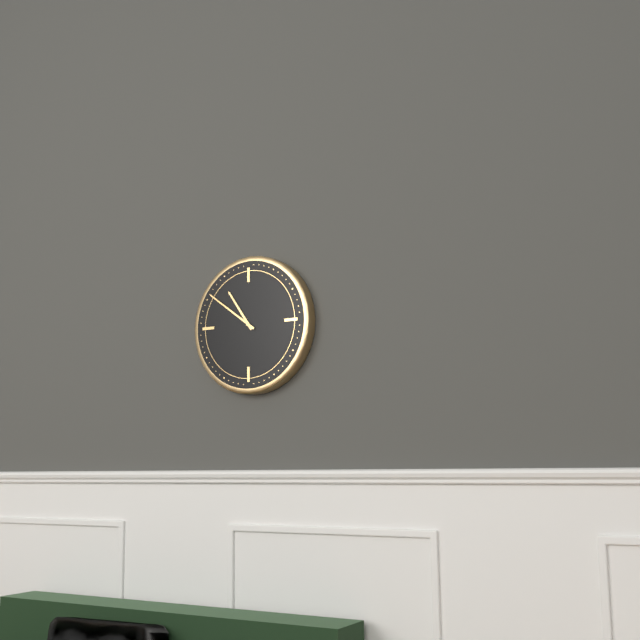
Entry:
10.51
